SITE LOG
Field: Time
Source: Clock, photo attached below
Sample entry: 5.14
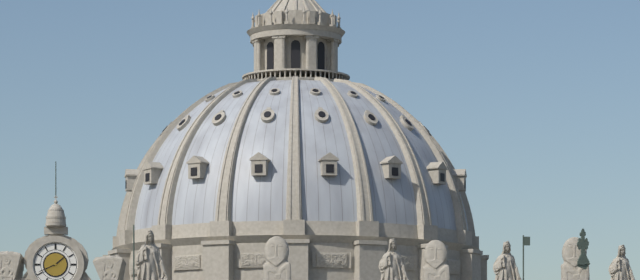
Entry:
1.41
